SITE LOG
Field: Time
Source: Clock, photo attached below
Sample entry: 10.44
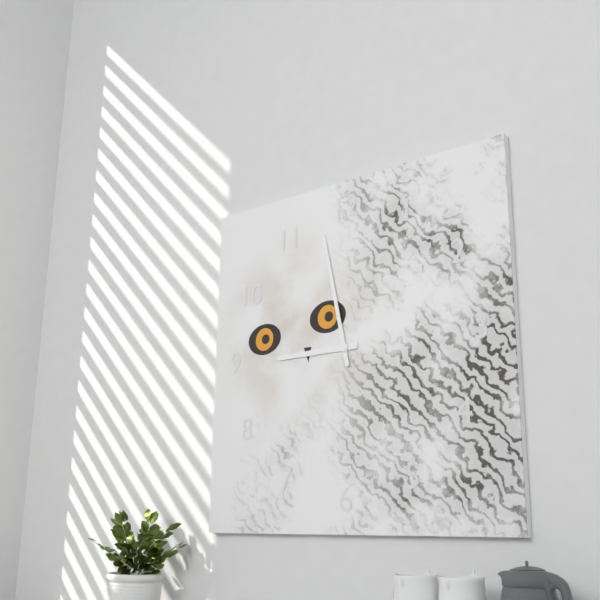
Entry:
8.58
